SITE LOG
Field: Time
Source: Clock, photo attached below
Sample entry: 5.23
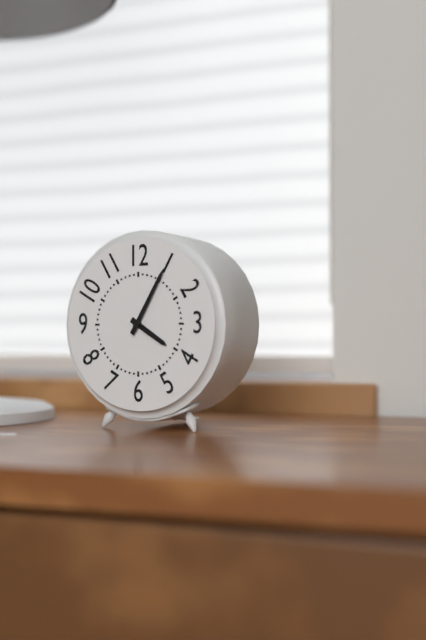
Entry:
4.05
